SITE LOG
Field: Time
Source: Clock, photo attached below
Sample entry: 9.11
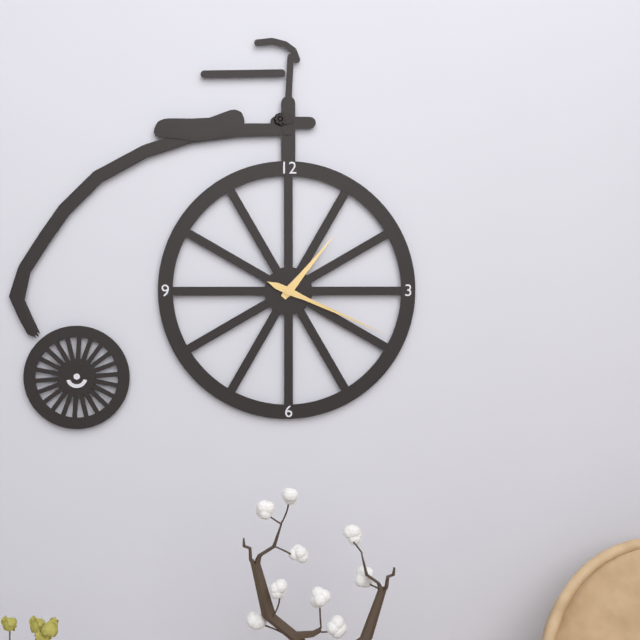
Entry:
1.19
